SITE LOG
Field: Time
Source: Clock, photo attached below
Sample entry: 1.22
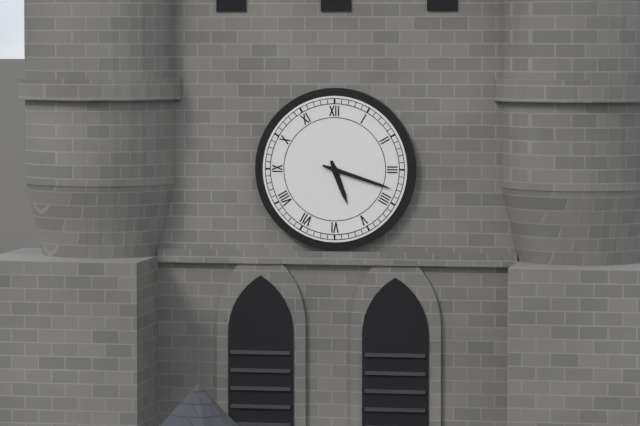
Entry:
5.18
